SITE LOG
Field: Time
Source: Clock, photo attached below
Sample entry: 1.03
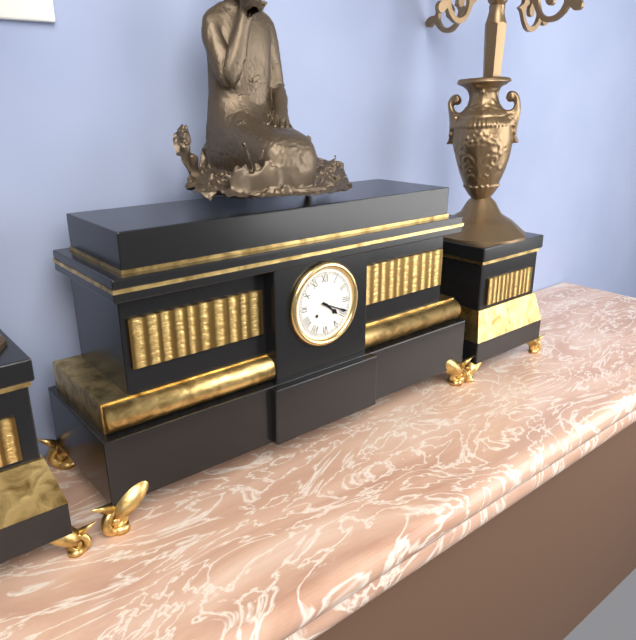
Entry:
4.19
